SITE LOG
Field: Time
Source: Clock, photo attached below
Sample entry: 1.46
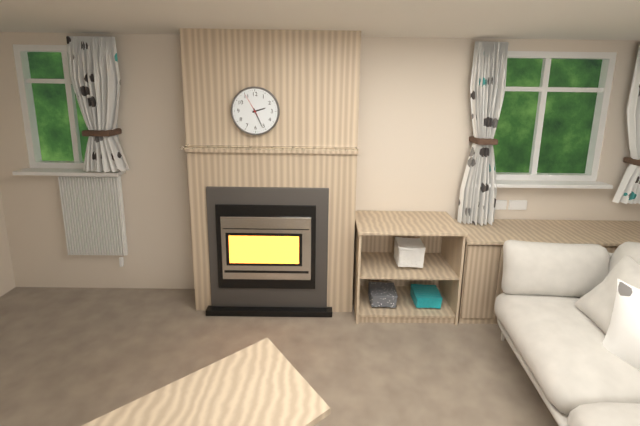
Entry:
2.26
